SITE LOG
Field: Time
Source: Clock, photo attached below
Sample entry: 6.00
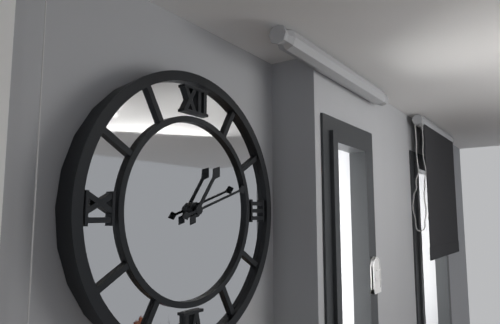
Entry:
1.12
